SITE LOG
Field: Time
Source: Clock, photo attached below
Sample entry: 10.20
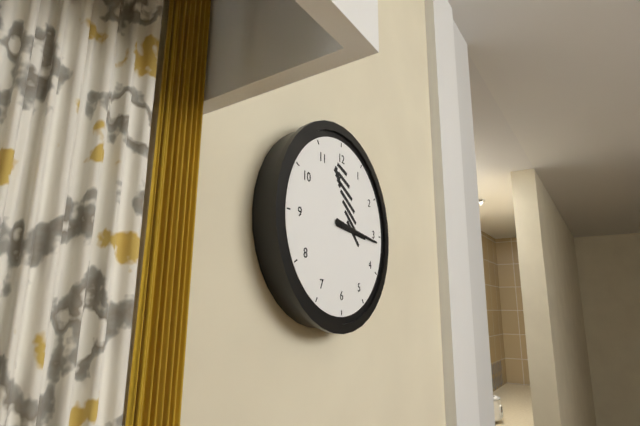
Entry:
3.16
